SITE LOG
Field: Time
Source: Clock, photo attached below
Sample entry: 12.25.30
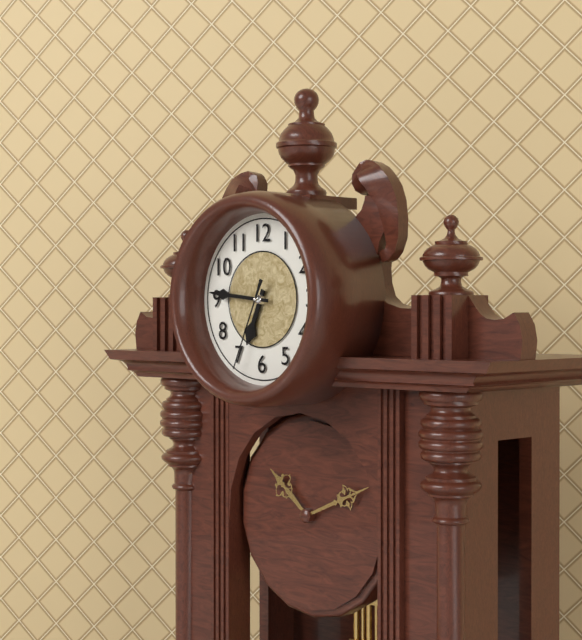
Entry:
6.46.34
